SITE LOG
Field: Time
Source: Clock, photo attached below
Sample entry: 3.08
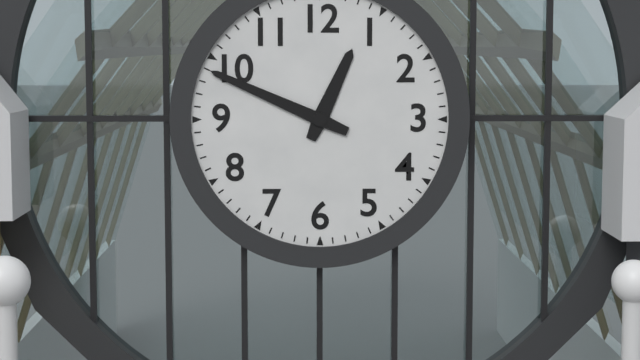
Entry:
12.49
